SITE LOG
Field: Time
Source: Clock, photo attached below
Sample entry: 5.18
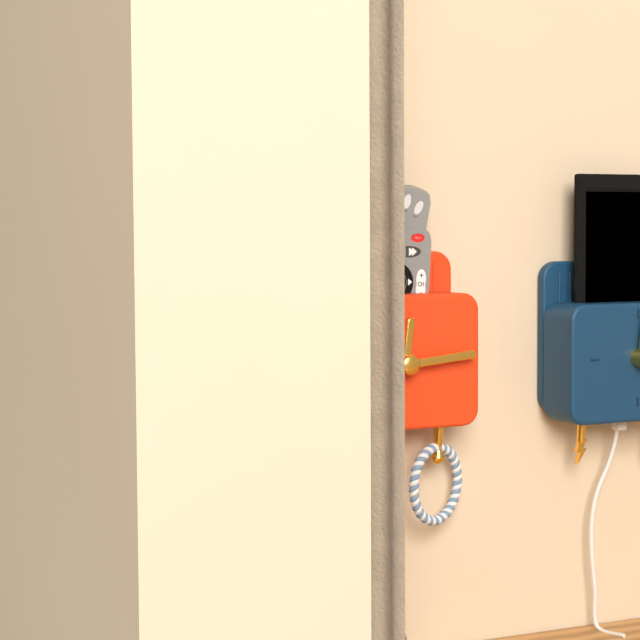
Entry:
12.14
